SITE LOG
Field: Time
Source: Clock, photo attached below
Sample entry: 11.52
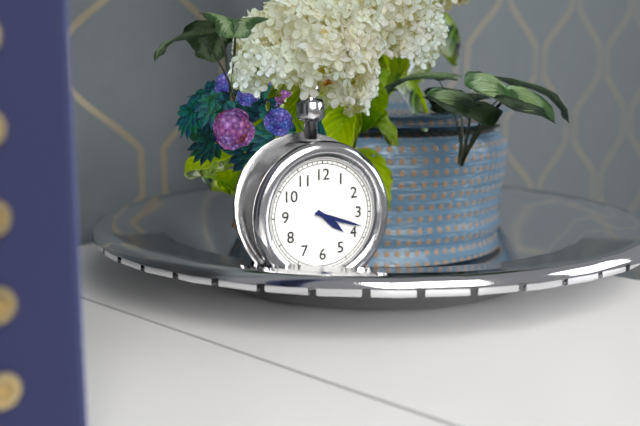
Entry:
4.18
